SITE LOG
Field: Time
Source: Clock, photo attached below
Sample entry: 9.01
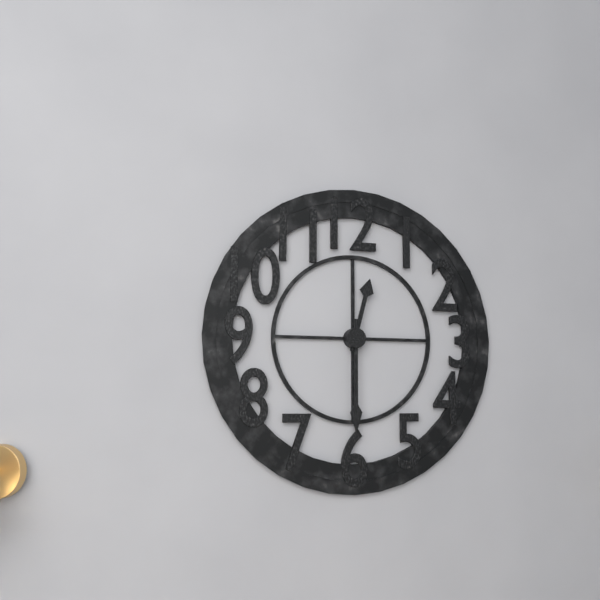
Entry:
12.30
